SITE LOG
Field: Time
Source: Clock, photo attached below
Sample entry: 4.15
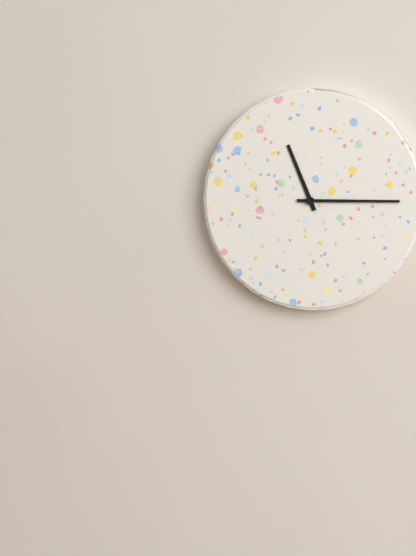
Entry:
11.15
